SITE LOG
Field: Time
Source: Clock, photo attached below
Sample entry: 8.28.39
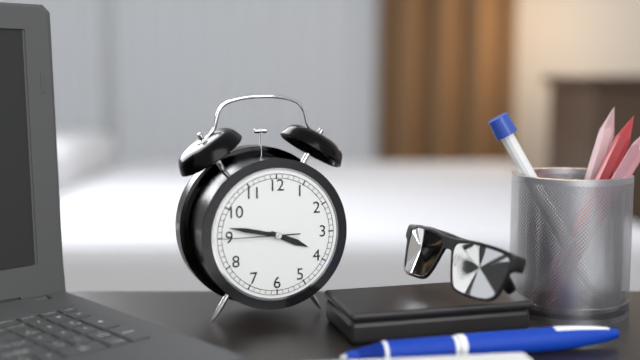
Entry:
3.47.45
